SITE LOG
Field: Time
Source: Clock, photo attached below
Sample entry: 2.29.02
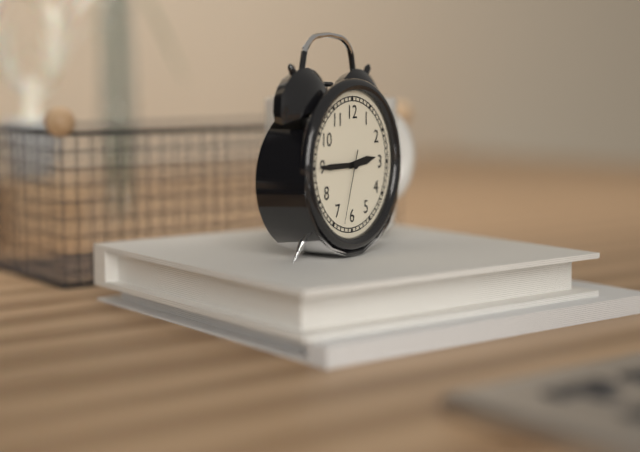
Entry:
2.45.33
